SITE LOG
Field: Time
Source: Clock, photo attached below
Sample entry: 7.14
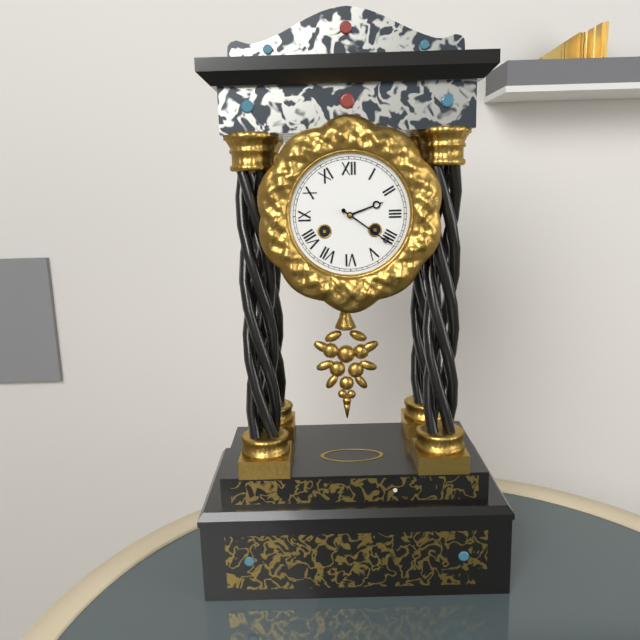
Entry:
2.21
